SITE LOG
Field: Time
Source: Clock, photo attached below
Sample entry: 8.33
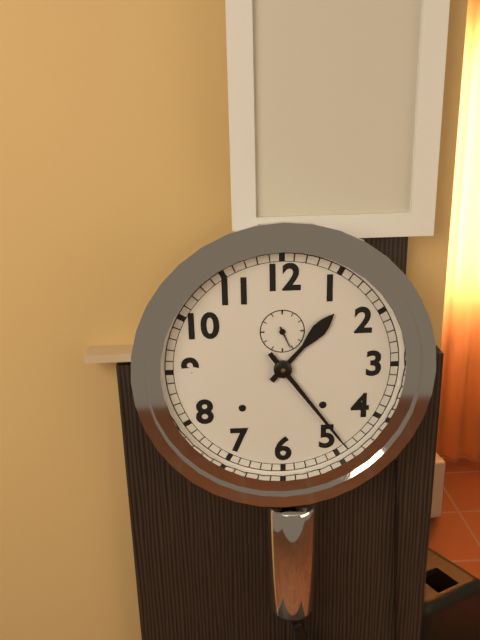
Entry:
1.24
